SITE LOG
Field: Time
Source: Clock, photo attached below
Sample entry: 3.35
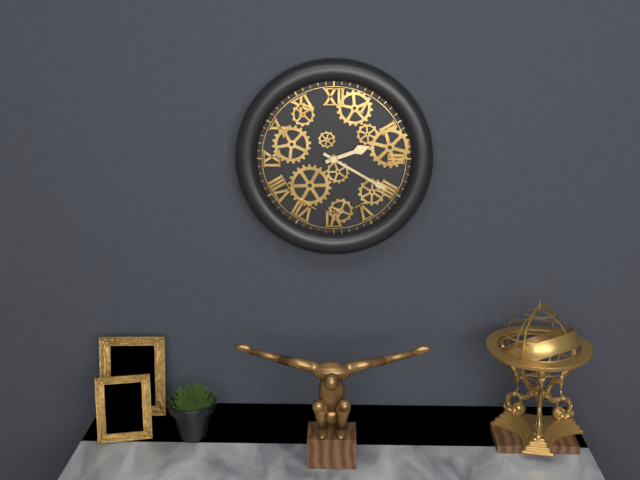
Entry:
2.20
